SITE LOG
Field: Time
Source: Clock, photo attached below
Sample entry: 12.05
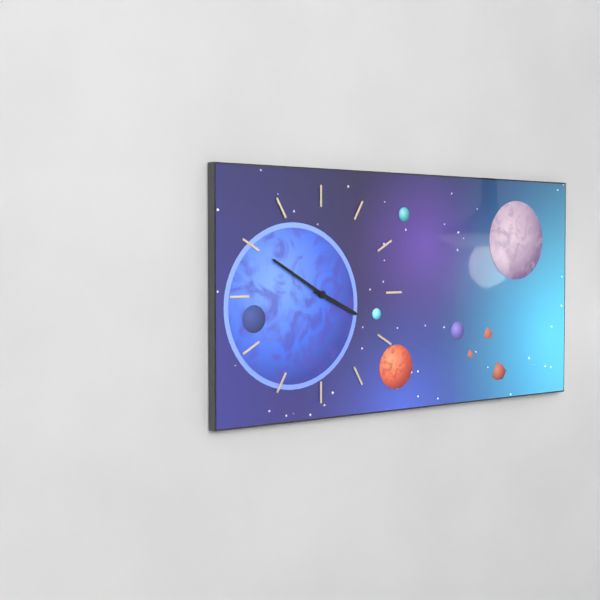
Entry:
3.50
